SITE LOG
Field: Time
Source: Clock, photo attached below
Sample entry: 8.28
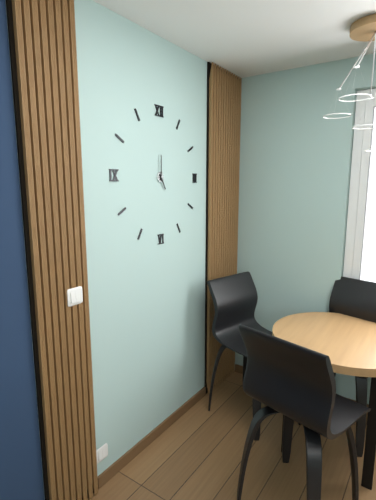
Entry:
5.00
